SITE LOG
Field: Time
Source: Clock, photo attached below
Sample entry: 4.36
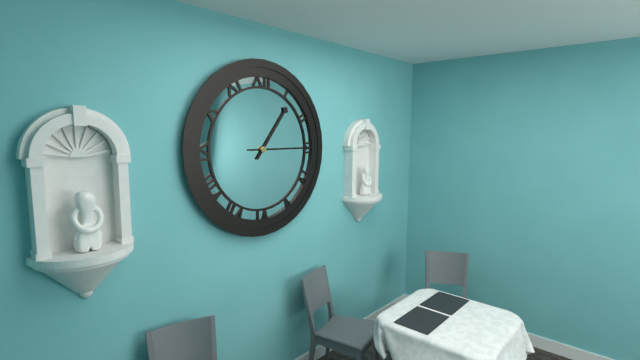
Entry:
1.15
